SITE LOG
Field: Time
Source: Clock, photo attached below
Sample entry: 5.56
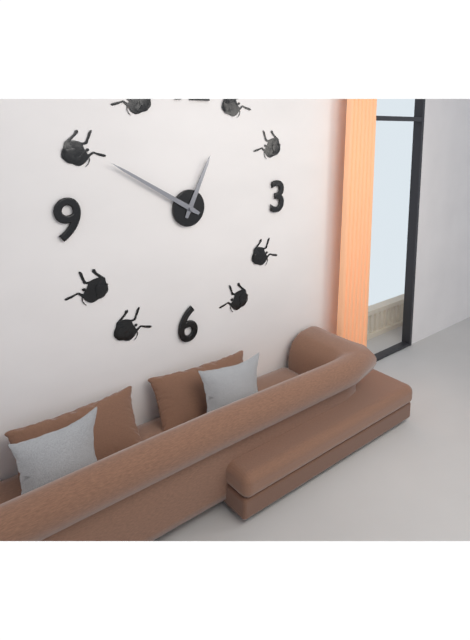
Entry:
12.50
